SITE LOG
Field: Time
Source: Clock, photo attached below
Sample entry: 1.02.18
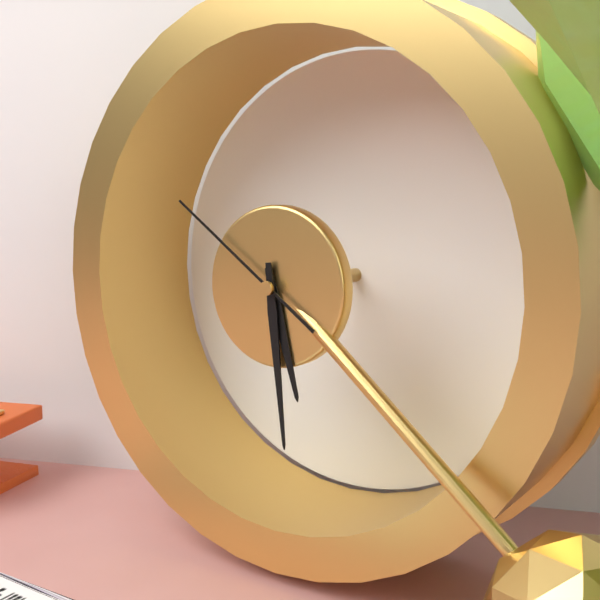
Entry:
5.29.51
